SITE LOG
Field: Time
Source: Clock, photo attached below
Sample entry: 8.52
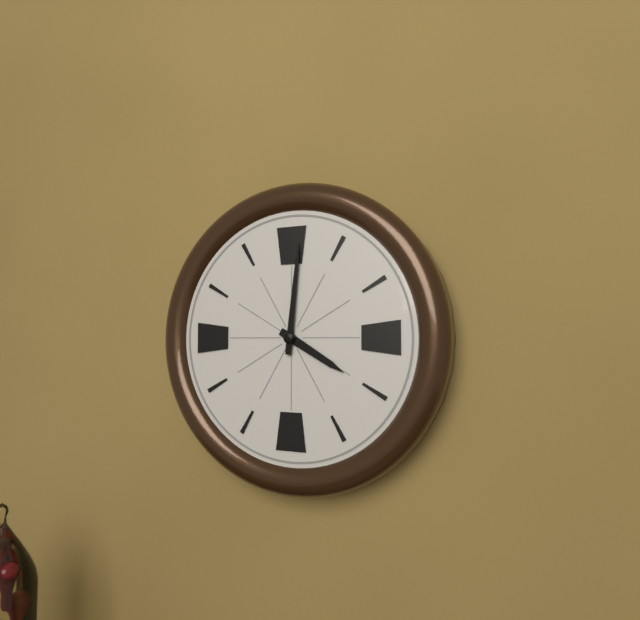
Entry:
4.01
